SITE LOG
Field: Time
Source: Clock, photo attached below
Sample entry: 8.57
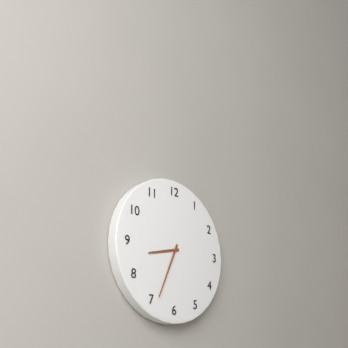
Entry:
8.34
